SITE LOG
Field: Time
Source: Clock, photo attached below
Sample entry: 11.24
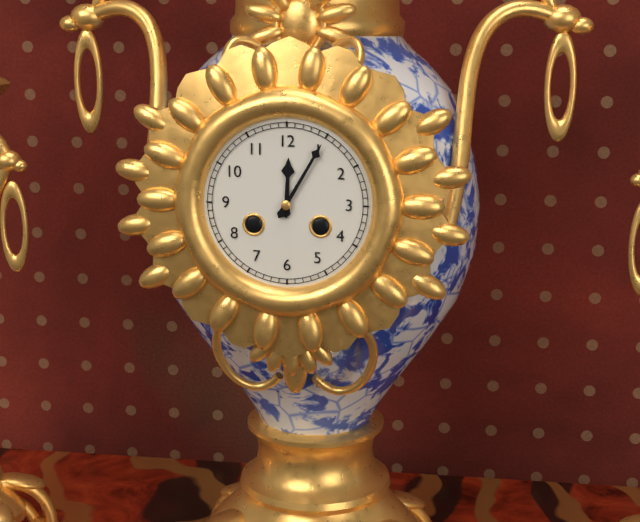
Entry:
12.05
